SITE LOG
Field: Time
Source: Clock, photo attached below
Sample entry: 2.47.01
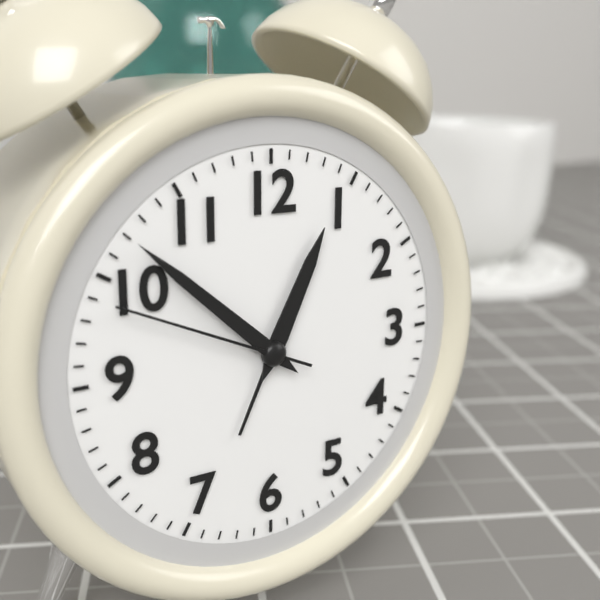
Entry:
12.52.49
